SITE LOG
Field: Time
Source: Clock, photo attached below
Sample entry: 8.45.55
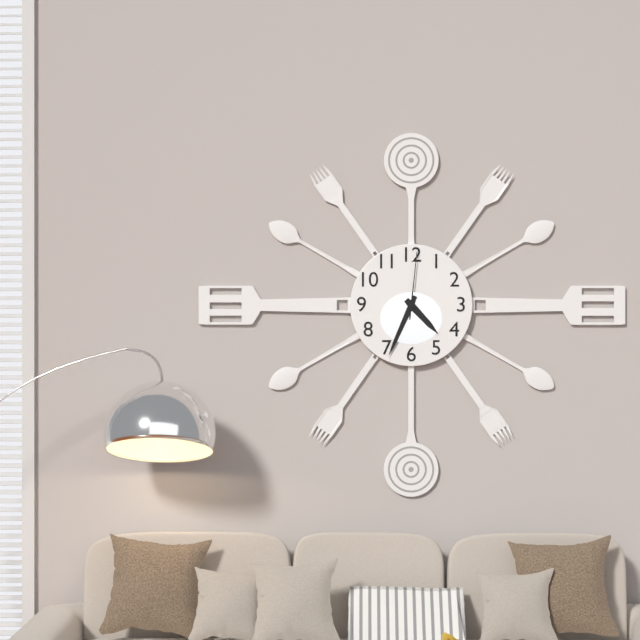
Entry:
4.34.01
